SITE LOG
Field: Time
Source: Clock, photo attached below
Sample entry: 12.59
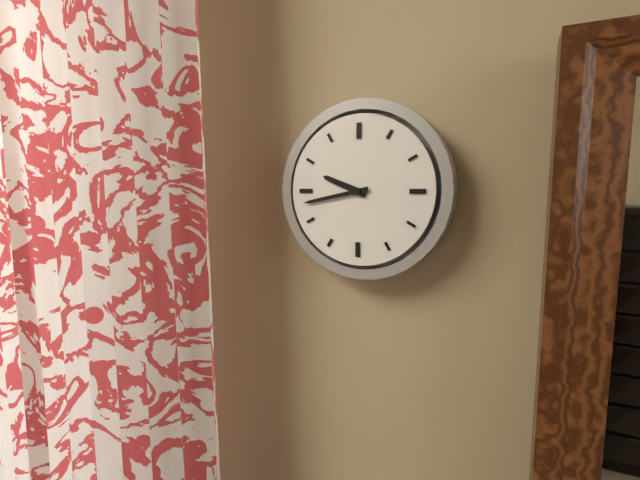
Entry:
9.43
